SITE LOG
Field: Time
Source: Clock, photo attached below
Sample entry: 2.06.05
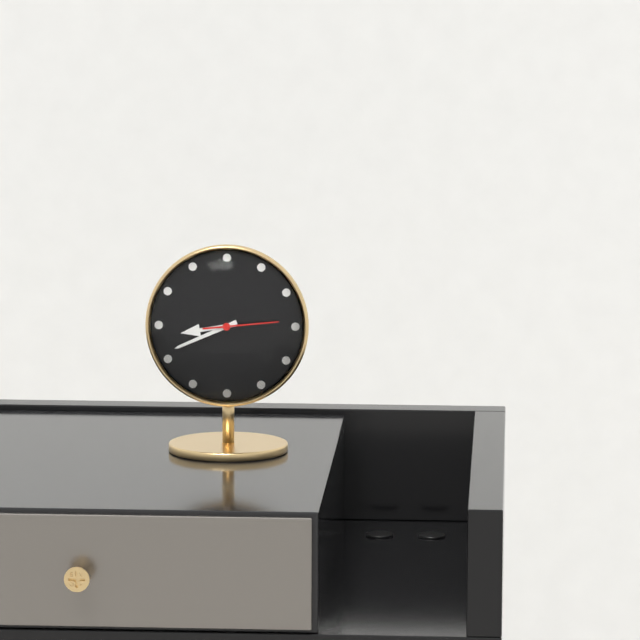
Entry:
8.41.14
